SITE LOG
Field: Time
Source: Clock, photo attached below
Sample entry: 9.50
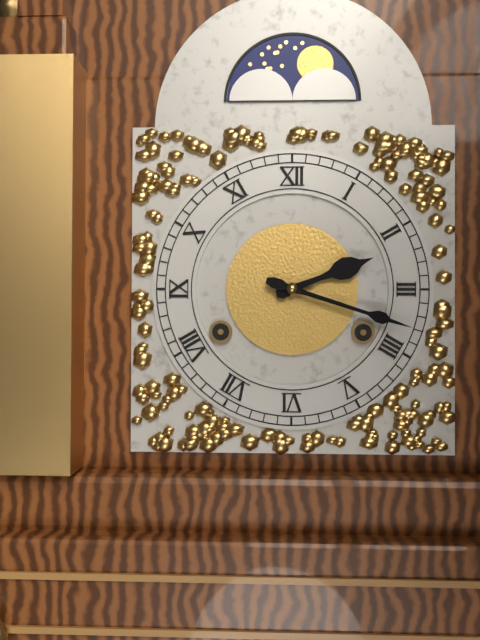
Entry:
2.18
